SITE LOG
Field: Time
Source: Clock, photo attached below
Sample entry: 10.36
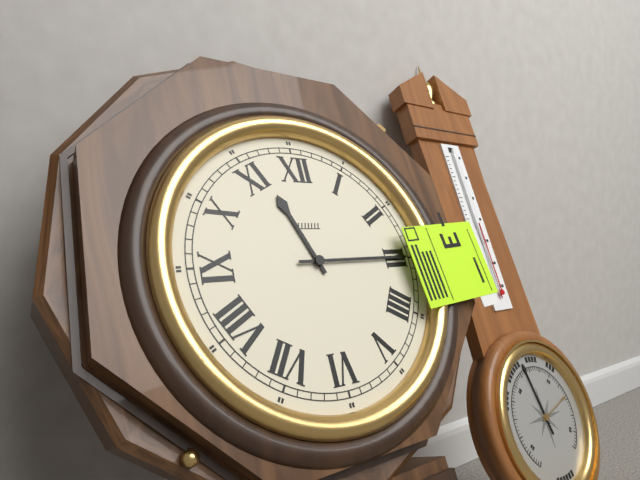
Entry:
11.15
